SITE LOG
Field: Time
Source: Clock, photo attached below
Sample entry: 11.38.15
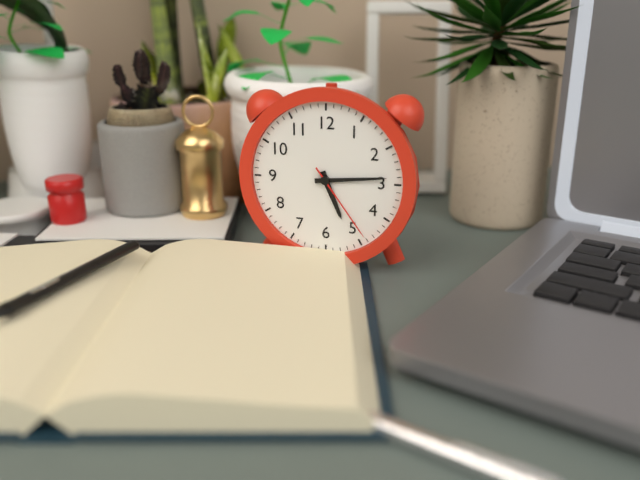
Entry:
5.14.24
